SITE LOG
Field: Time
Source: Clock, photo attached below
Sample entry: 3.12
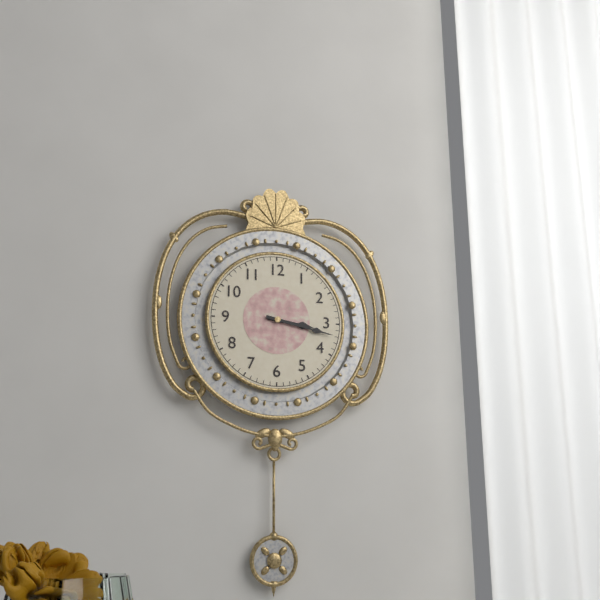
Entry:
3.17
